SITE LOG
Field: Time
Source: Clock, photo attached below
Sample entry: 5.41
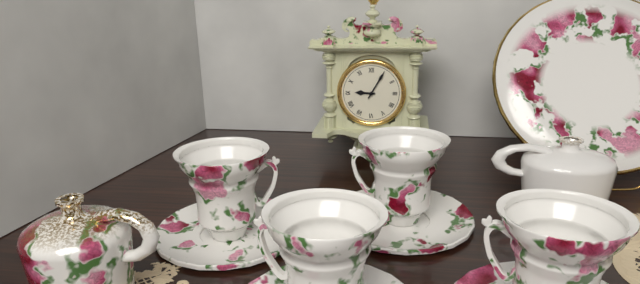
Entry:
9.05
